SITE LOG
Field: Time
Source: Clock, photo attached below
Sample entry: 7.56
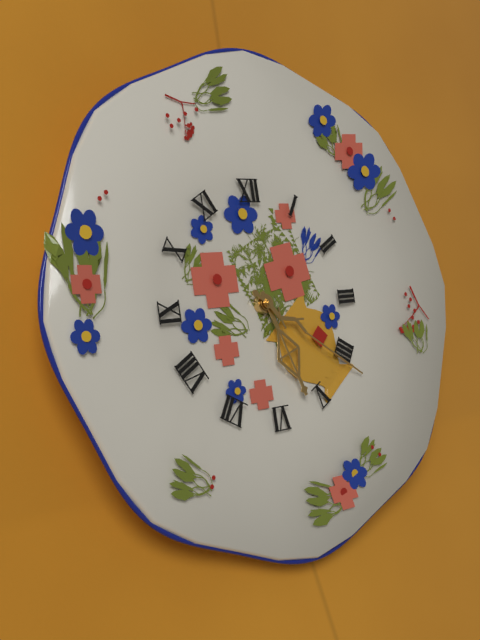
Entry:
5.21
